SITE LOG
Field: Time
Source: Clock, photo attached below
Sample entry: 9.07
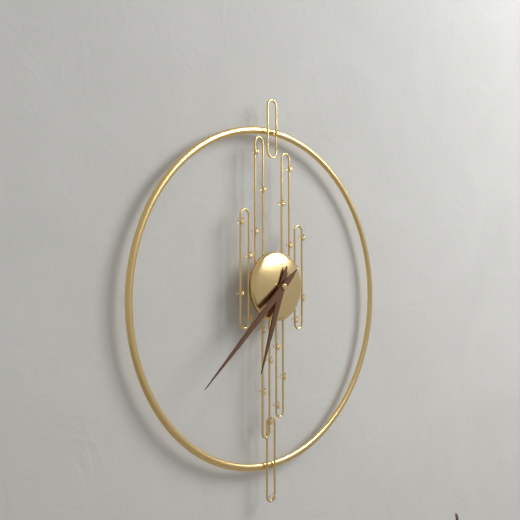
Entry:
6.38
